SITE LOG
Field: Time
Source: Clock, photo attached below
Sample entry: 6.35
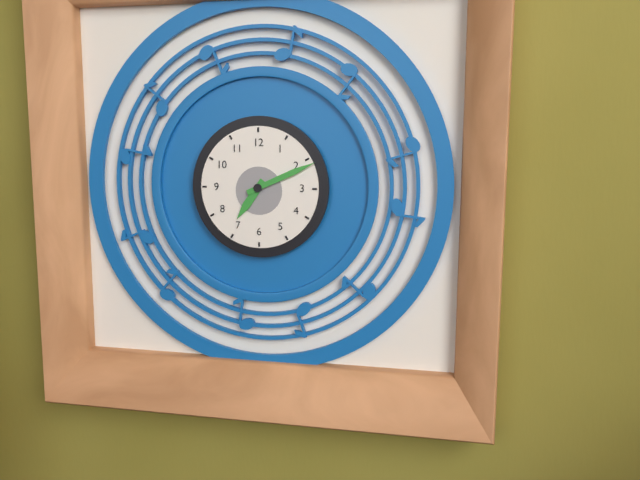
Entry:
7.11
